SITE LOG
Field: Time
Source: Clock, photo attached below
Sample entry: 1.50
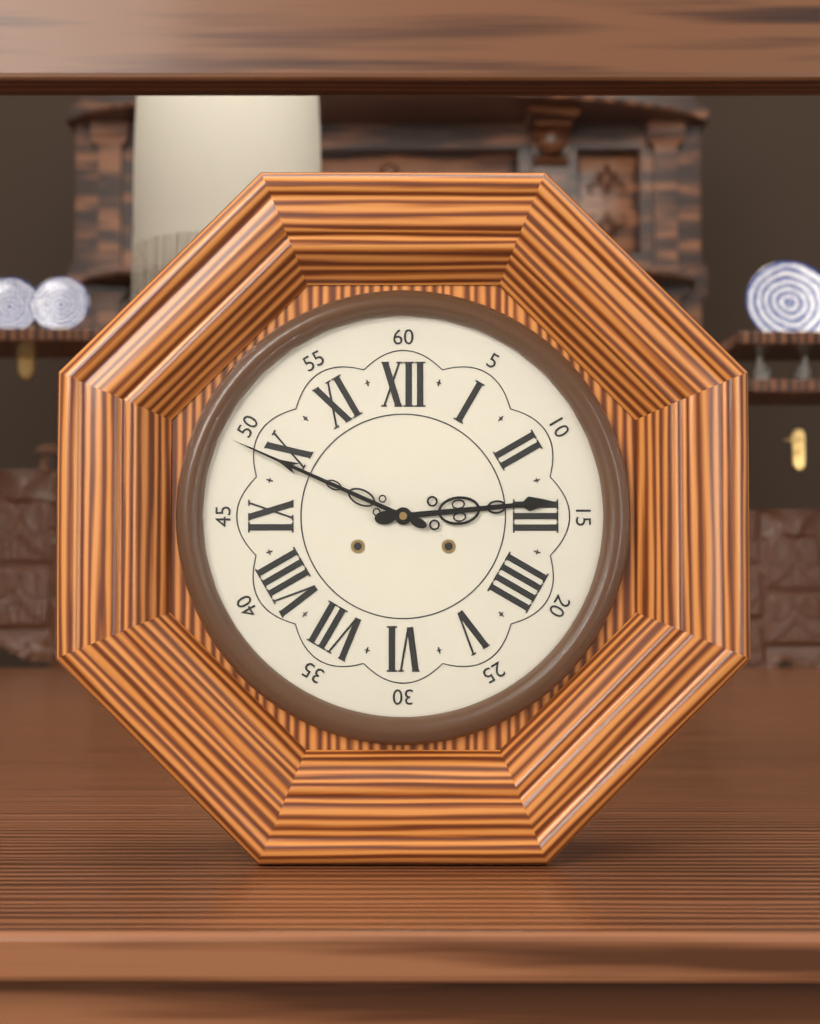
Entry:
2.49
